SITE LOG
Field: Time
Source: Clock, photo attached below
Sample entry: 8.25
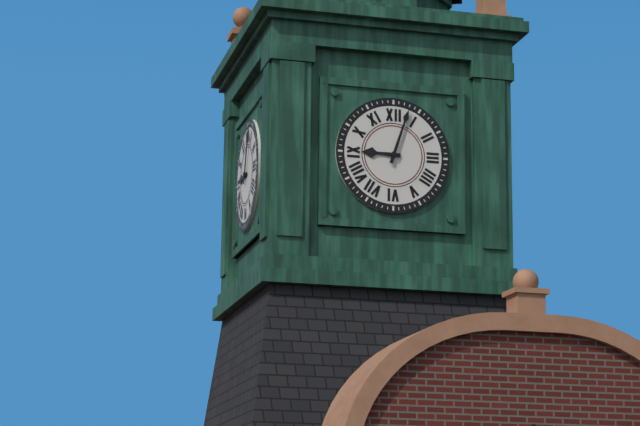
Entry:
9.03
